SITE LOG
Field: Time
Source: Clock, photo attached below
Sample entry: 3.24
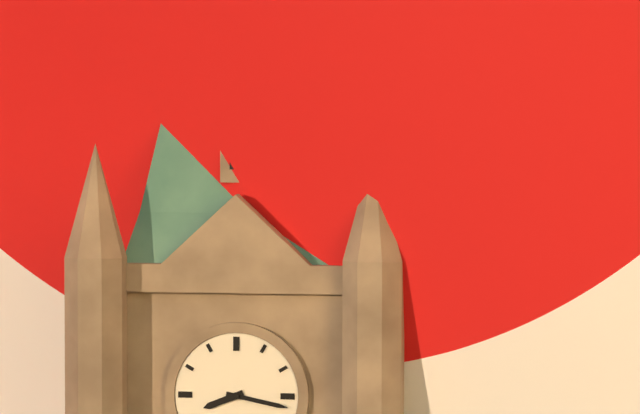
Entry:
8.17
